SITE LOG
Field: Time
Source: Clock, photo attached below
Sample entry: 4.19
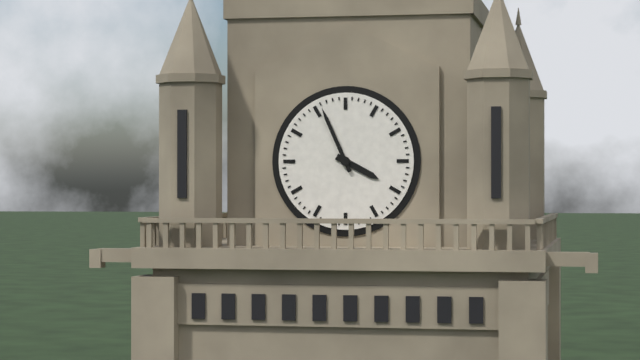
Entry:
3.56
